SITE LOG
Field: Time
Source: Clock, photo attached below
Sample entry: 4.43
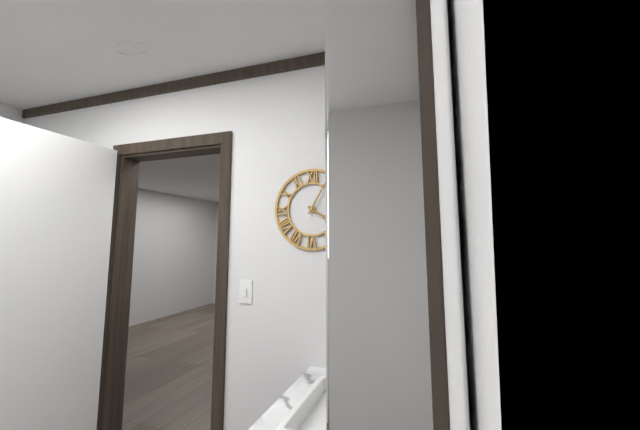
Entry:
4.05
